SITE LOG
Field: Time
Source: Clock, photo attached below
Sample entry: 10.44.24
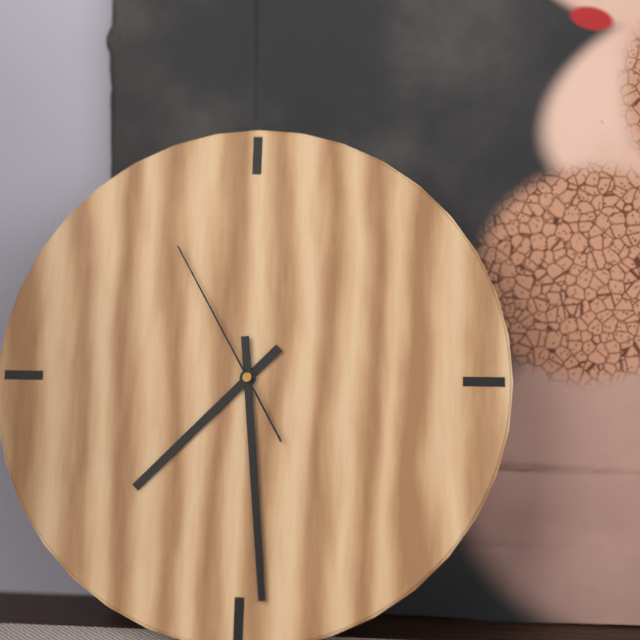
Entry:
7.29.55
